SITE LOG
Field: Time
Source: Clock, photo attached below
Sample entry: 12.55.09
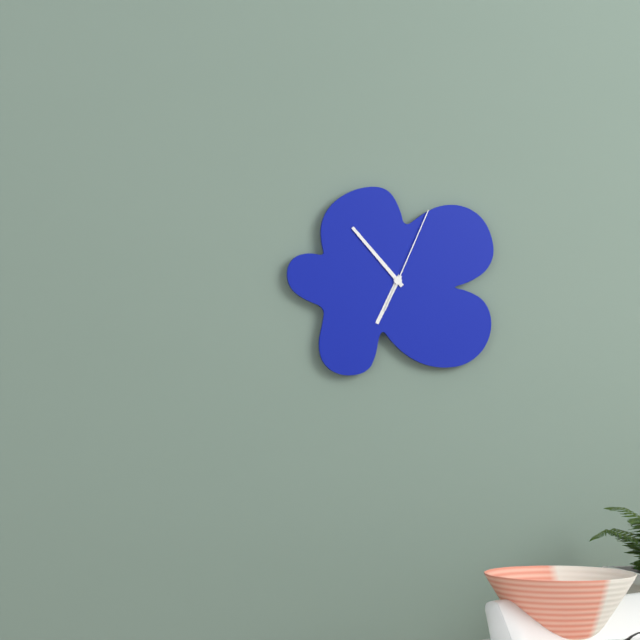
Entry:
6.53.04
